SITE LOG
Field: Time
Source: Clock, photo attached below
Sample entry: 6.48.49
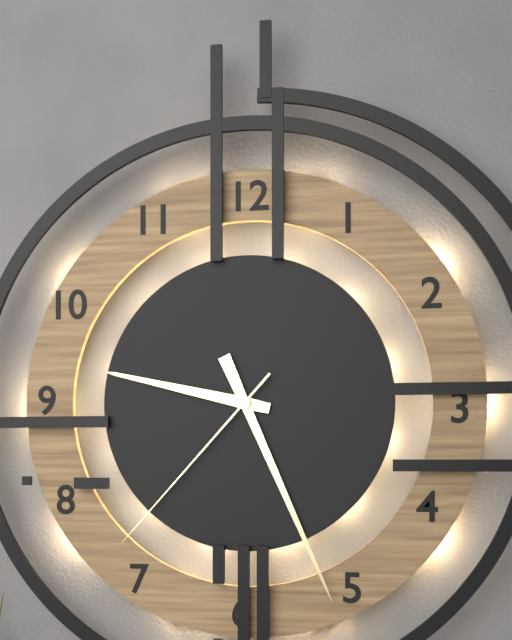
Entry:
9.26.37
